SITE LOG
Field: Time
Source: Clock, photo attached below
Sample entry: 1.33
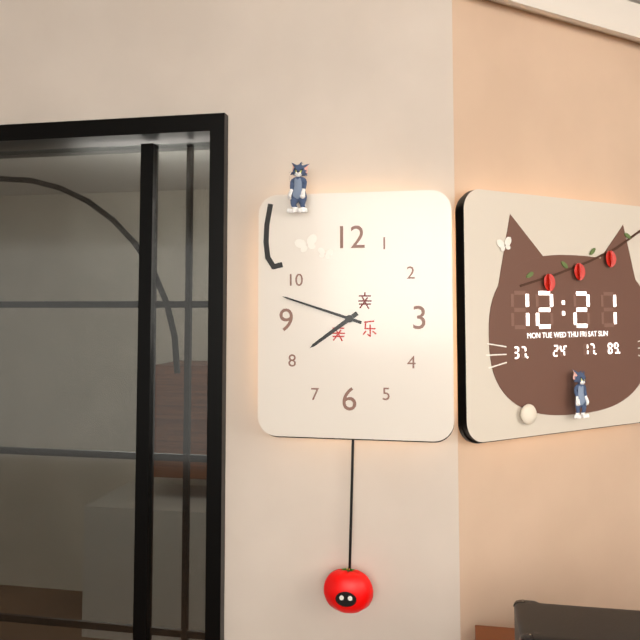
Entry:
7.48
